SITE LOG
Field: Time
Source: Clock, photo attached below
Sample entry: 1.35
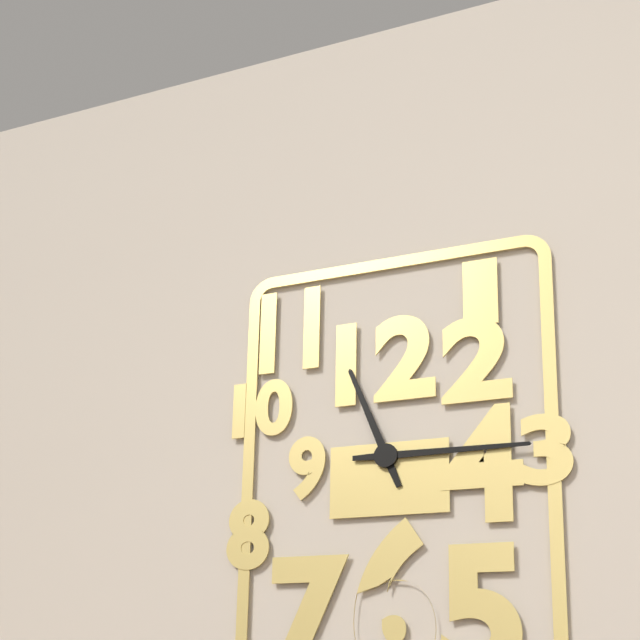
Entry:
11.15
